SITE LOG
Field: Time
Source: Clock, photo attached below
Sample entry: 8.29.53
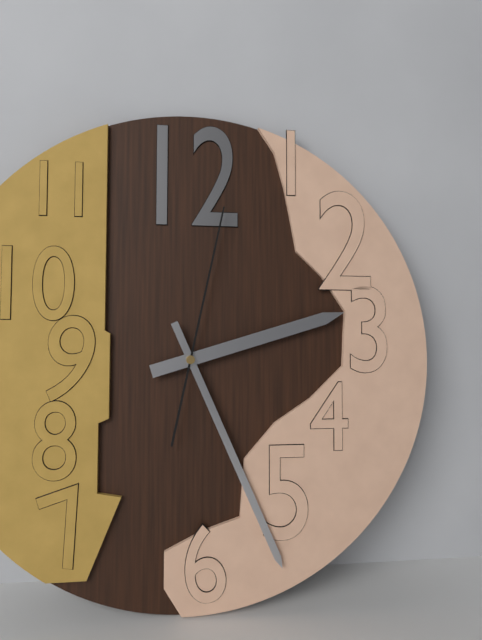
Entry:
2.26.02
